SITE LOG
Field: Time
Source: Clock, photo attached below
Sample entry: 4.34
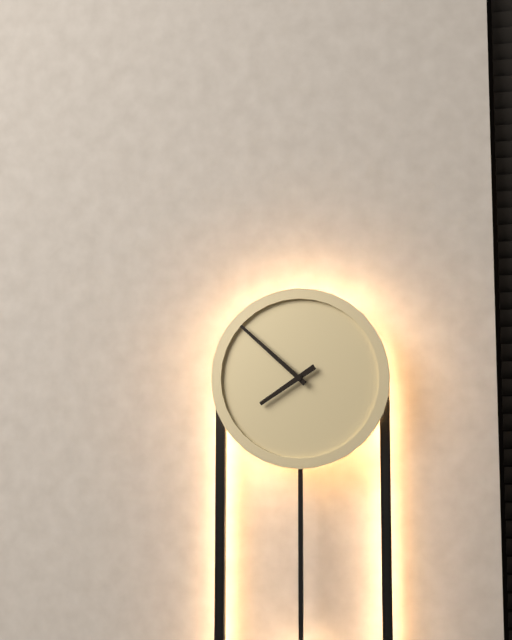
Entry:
7.52
